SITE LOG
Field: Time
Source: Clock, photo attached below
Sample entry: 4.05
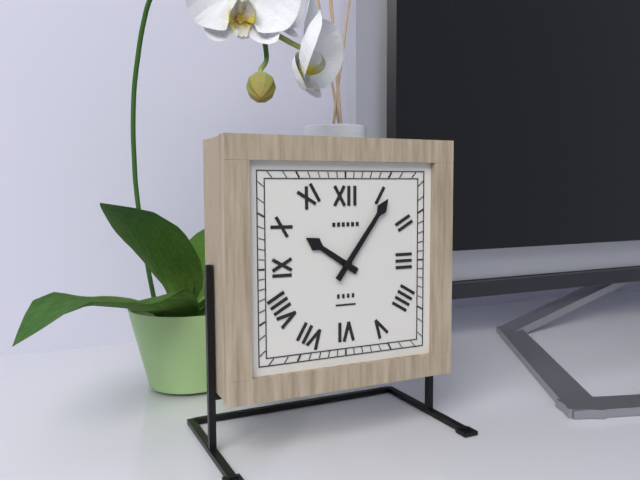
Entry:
10.06
